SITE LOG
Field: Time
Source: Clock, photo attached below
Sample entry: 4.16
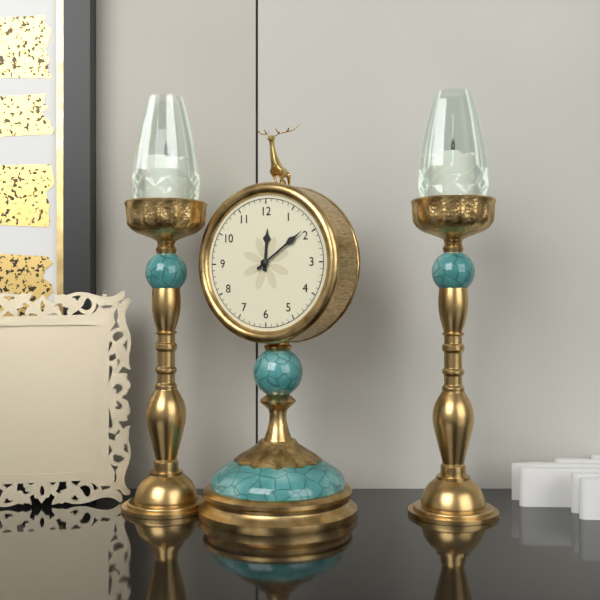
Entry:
12.09
